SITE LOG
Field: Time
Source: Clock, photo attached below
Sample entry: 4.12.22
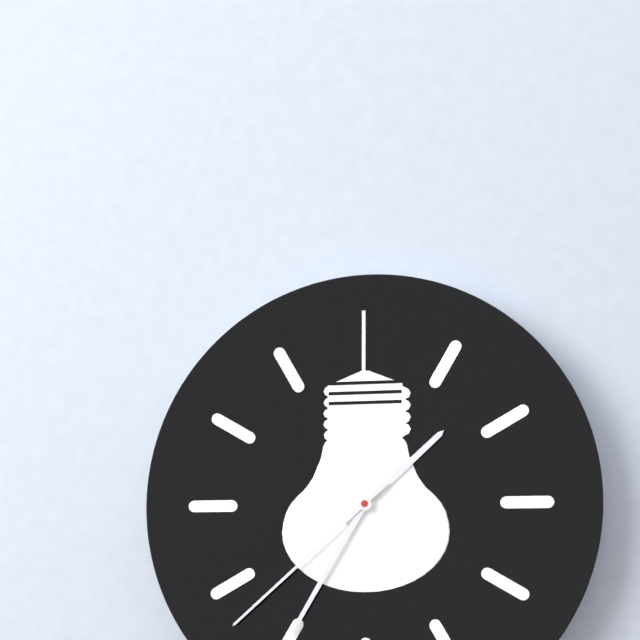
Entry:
1.35.38
